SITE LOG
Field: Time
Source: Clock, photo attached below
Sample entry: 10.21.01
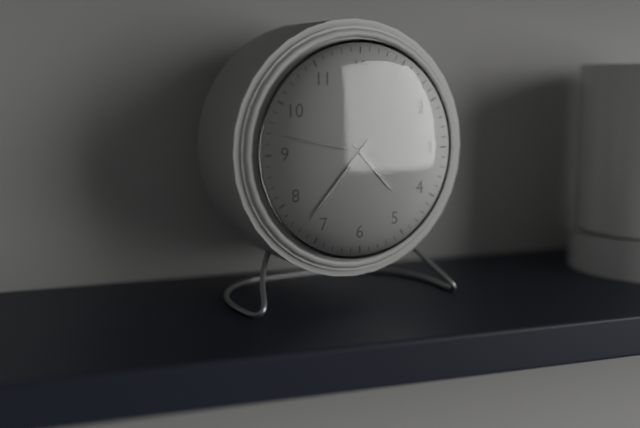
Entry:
4.37.47
